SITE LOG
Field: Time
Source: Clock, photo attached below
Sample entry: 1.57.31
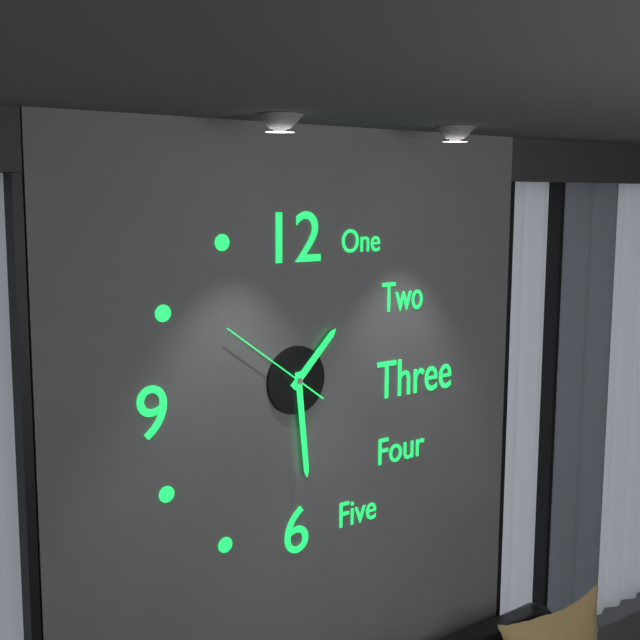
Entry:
1.29.51
